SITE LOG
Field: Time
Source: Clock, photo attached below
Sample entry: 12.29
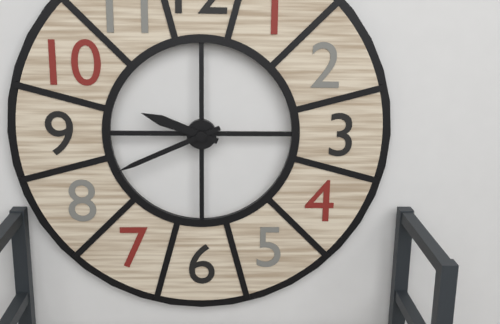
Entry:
9.41
